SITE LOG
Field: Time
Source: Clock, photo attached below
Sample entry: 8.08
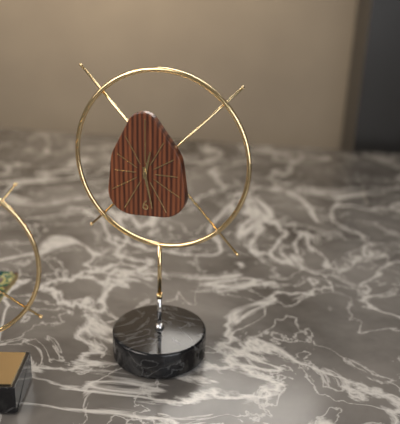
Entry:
12.28
